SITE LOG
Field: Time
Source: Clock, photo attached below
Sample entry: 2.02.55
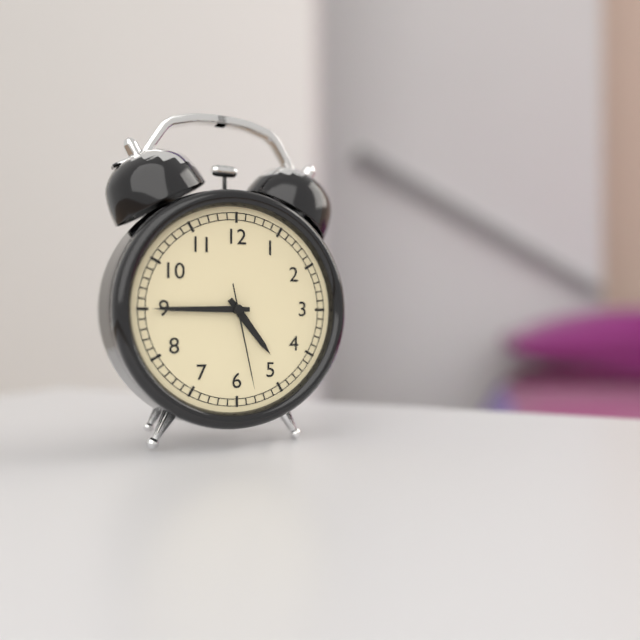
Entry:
4.45.28
